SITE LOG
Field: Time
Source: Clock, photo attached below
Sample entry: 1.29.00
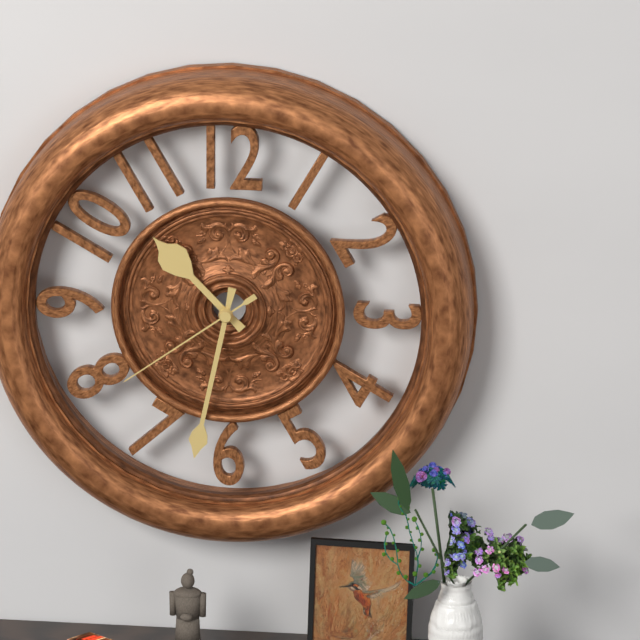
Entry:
10.32.39
